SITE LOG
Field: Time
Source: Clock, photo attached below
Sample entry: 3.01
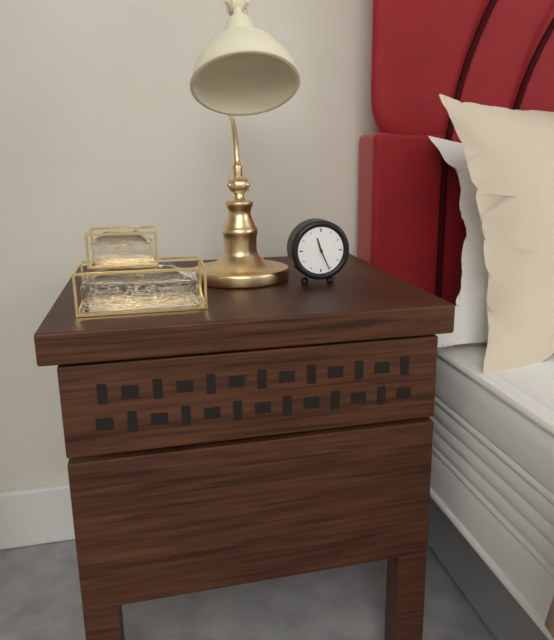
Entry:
11.26
